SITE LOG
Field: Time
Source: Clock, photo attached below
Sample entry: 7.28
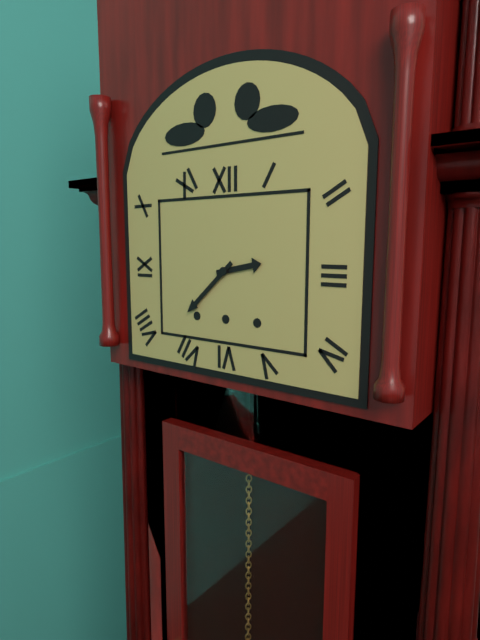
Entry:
2.38
